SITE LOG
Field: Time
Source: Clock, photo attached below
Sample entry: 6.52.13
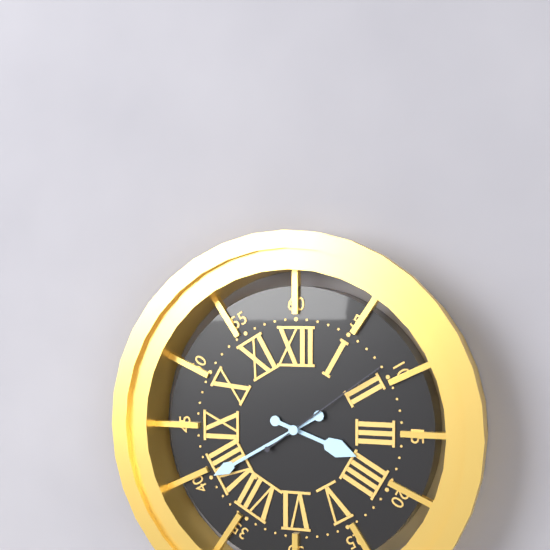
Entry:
3.40.09
